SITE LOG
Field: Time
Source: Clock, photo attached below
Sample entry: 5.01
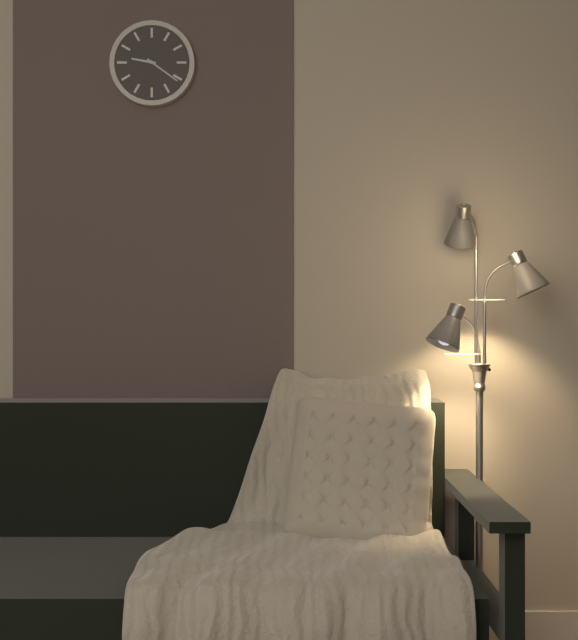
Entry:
9.21
